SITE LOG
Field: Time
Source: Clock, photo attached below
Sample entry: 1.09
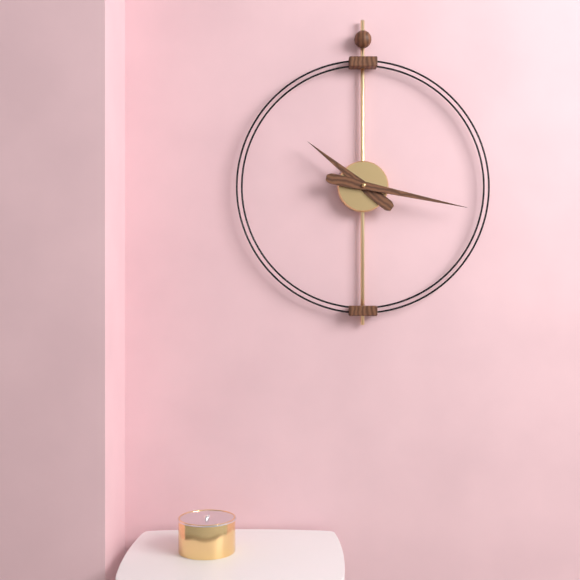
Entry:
10.17
